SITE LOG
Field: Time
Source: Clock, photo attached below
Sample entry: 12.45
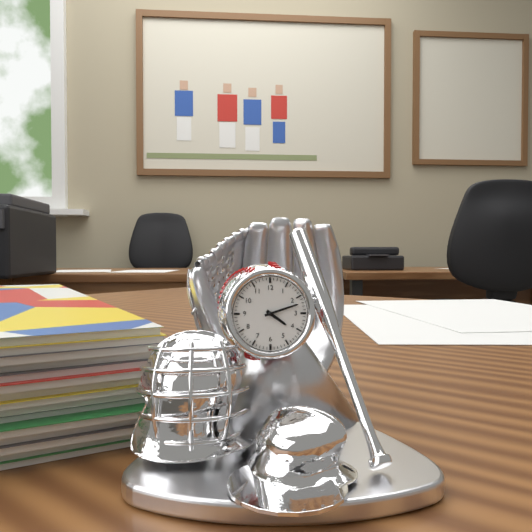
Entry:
4.12
